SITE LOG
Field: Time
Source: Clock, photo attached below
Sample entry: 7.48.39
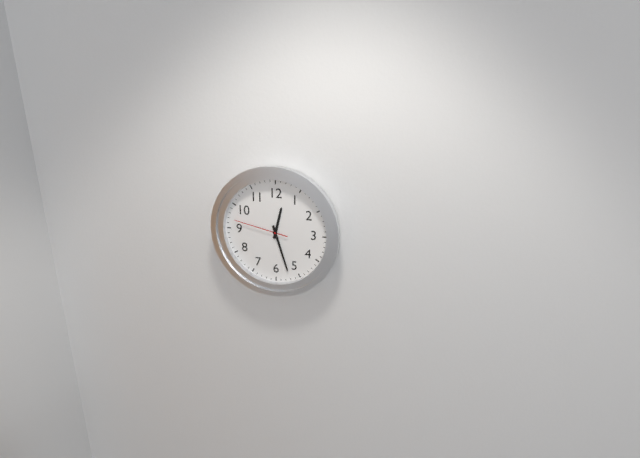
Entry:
12.27.47
